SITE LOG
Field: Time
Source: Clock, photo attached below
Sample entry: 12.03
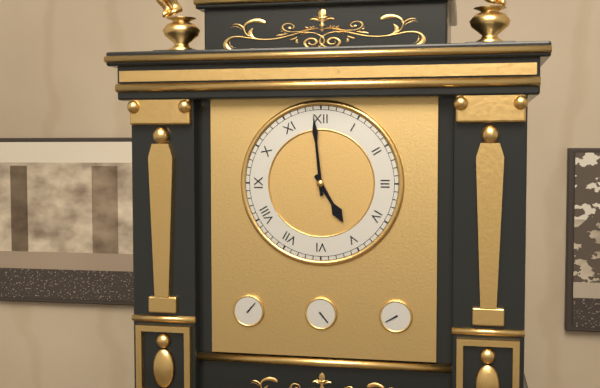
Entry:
4.59
